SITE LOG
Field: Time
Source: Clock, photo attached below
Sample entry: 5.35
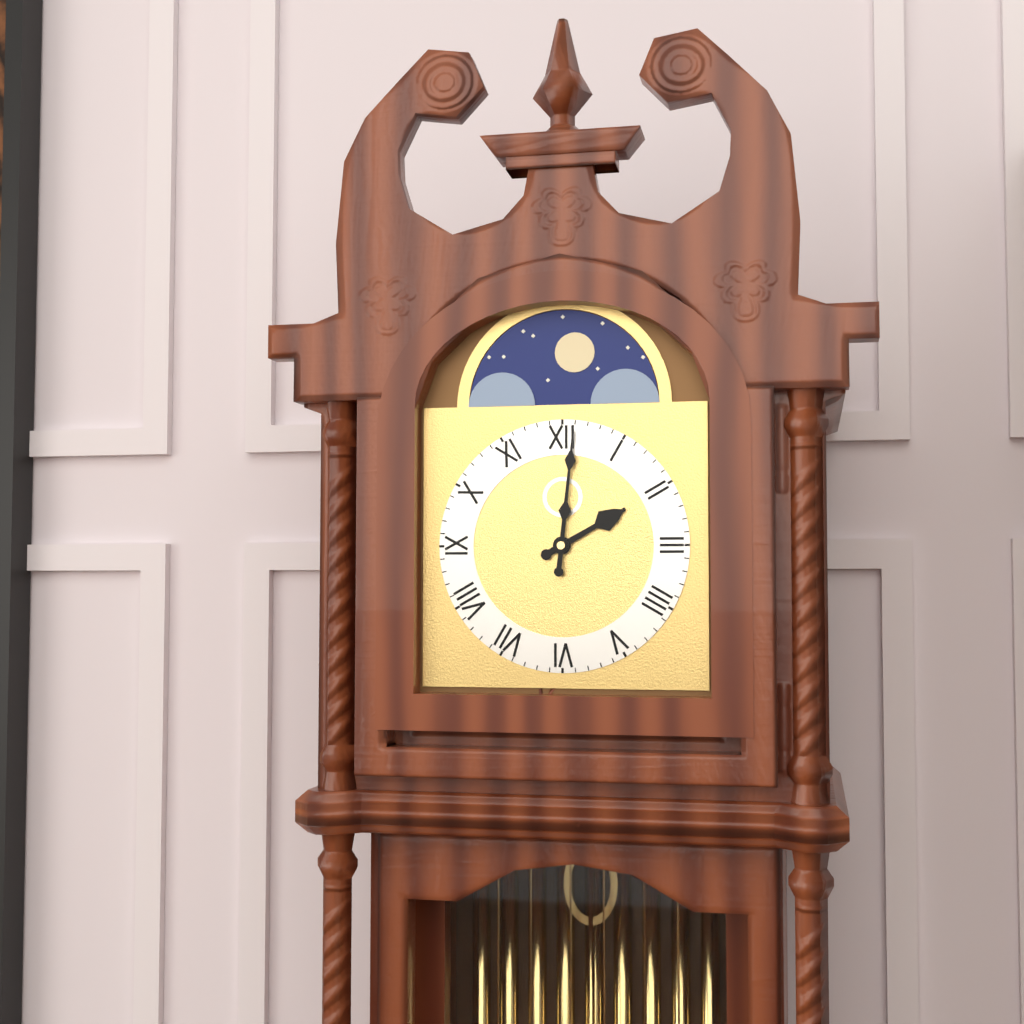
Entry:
2.01
